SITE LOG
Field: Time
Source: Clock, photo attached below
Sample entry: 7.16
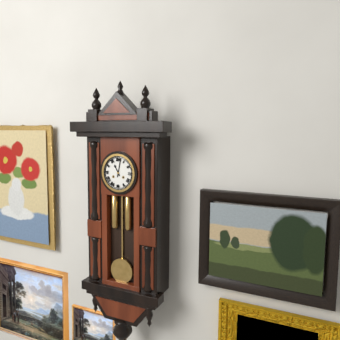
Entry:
11.02
